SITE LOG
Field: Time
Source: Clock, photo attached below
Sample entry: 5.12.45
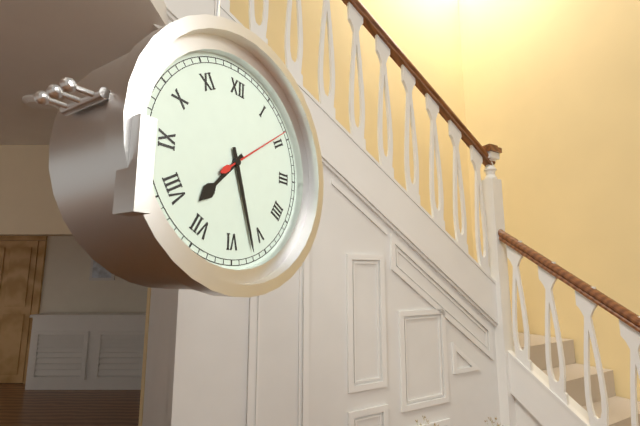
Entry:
7.27.09
